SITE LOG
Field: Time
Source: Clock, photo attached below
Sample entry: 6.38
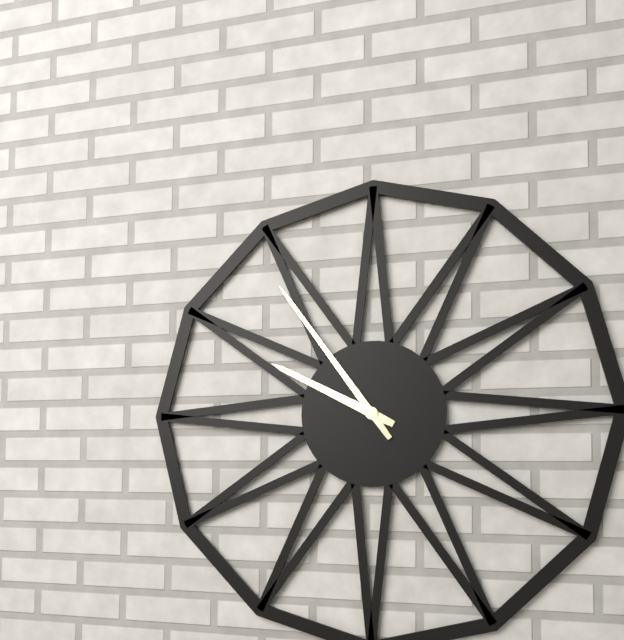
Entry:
9.54
